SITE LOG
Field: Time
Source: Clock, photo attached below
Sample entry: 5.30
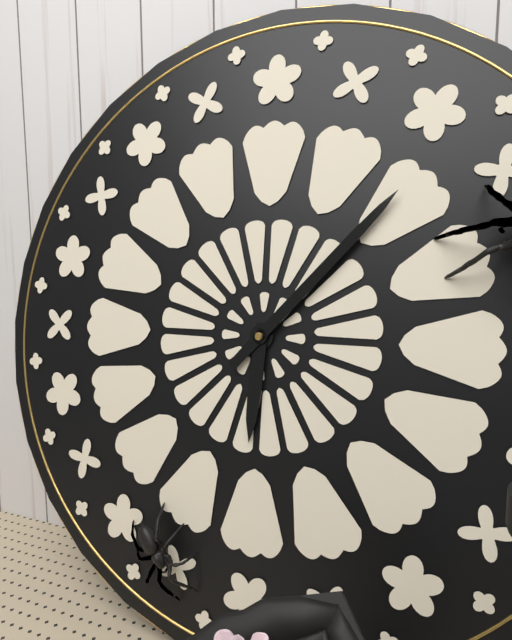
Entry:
6.07
